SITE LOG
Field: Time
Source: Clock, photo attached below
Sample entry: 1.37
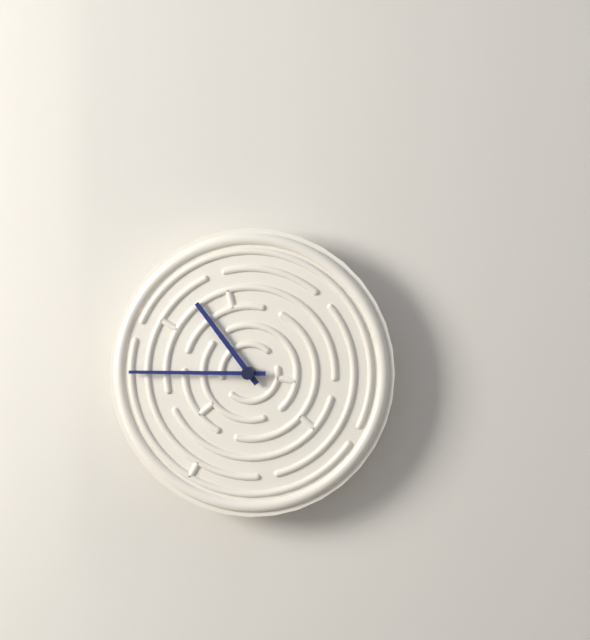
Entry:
10.45
